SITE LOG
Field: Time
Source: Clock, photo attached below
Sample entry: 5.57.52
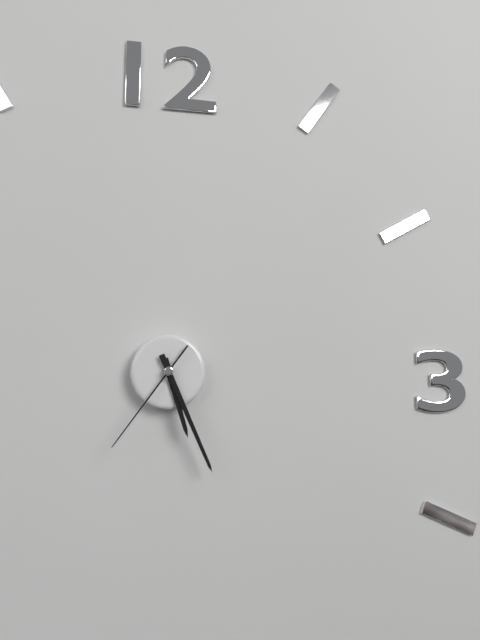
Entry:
5.26.36
